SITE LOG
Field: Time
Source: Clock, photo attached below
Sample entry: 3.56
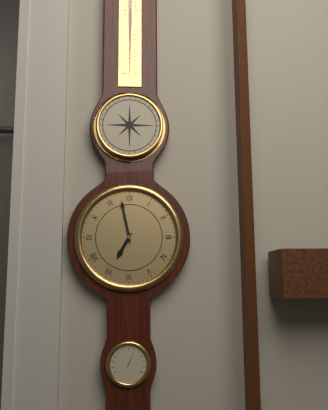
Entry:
6.58
